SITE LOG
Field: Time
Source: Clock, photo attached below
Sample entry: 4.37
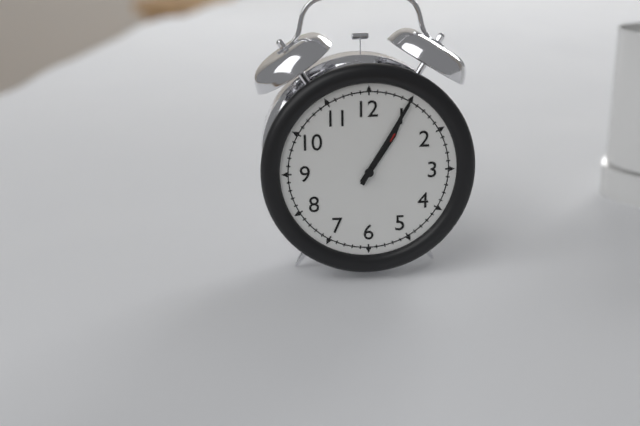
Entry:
1.05
